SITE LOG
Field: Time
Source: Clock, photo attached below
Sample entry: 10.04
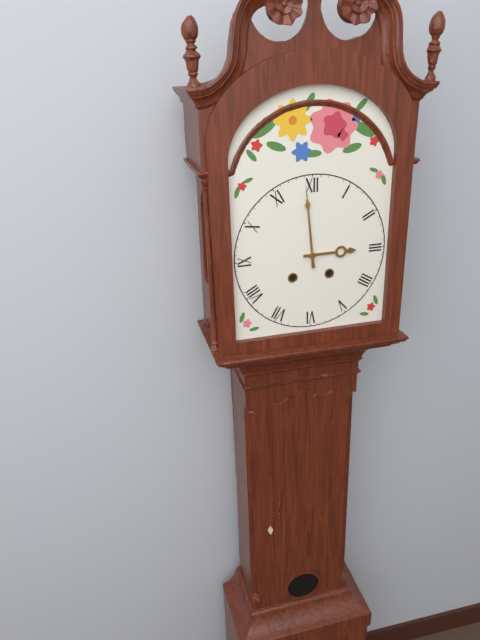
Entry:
2.59
